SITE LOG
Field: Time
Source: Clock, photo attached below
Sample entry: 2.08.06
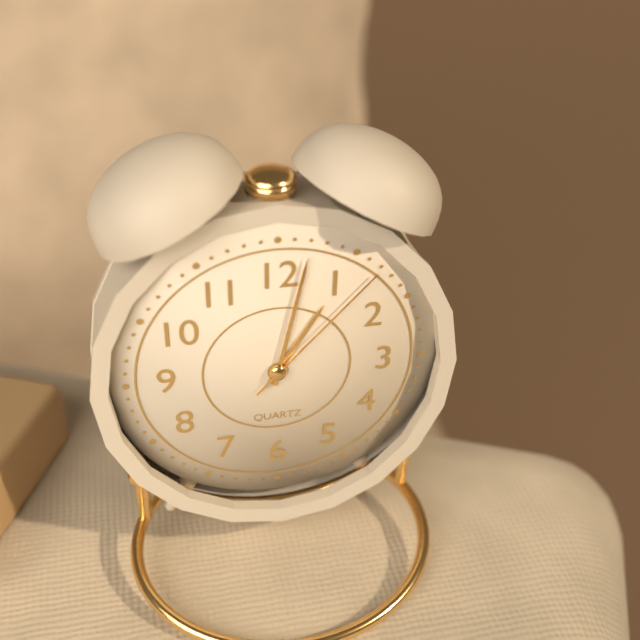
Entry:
1.02.07
